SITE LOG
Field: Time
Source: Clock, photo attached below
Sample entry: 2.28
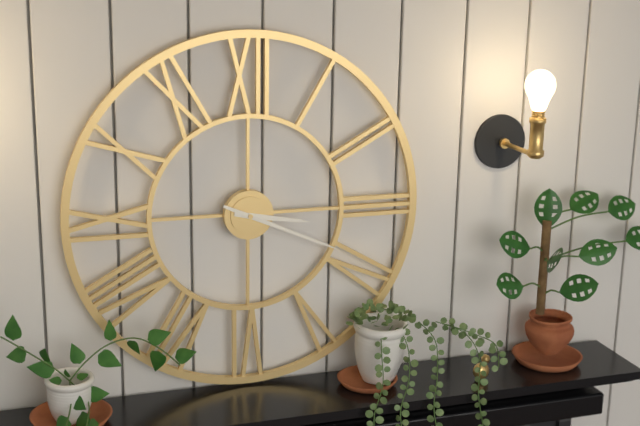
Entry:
3.19
